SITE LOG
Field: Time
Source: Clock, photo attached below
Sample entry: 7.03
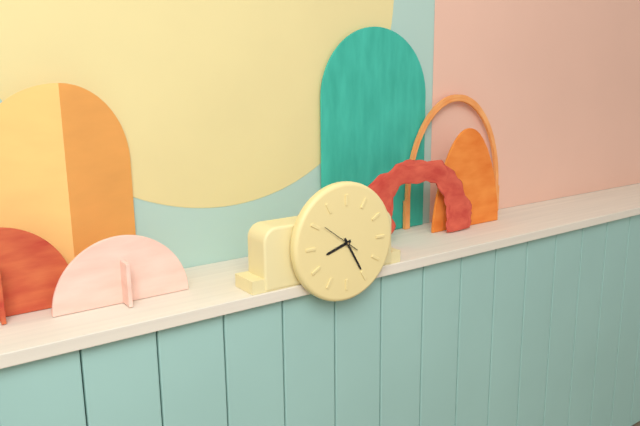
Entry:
8.25
